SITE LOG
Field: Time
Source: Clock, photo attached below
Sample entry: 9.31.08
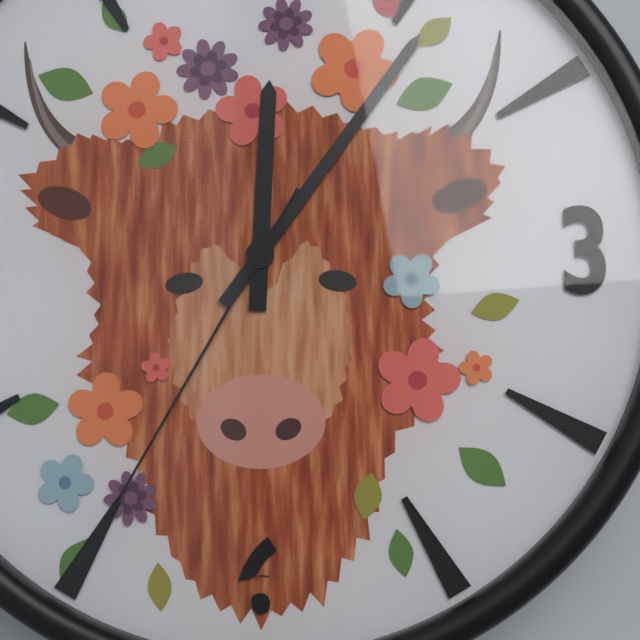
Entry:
12.06.35
